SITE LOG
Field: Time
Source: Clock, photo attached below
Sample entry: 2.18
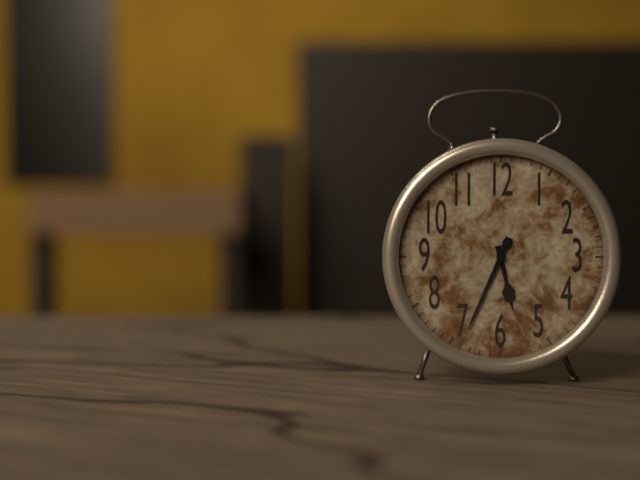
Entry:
5.34
